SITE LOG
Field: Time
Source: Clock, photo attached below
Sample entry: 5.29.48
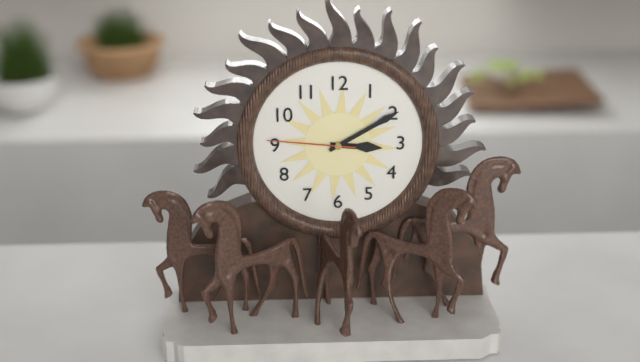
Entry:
3.10.46
